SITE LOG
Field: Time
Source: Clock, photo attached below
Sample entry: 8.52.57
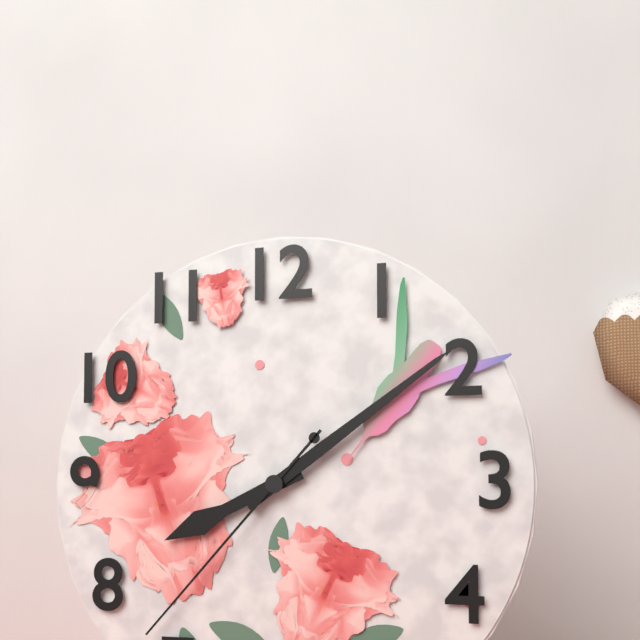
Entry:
8.09.37
